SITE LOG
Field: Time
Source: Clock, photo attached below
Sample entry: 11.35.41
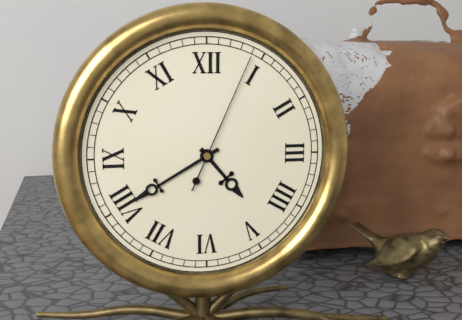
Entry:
4.40.04
